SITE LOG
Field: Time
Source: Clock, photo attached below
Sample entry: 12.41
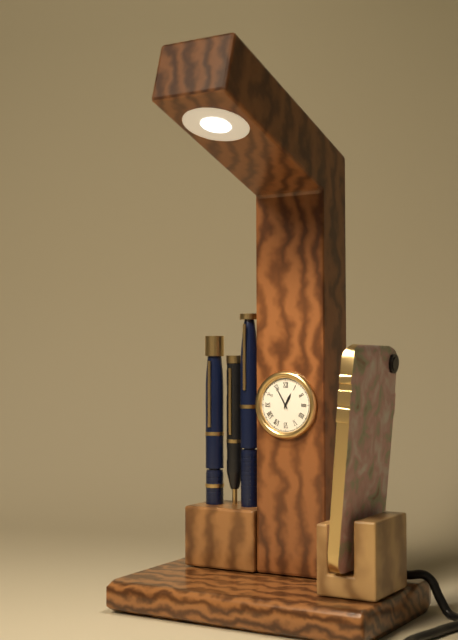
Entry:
12.55
